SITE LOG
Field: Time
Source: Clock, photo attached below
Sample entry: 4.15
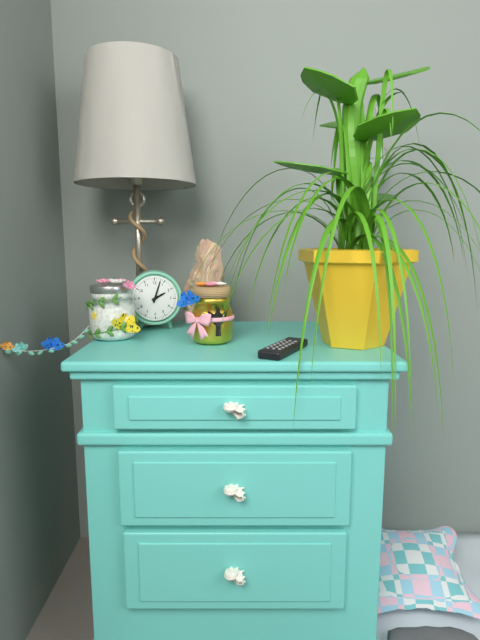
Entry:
2.03
